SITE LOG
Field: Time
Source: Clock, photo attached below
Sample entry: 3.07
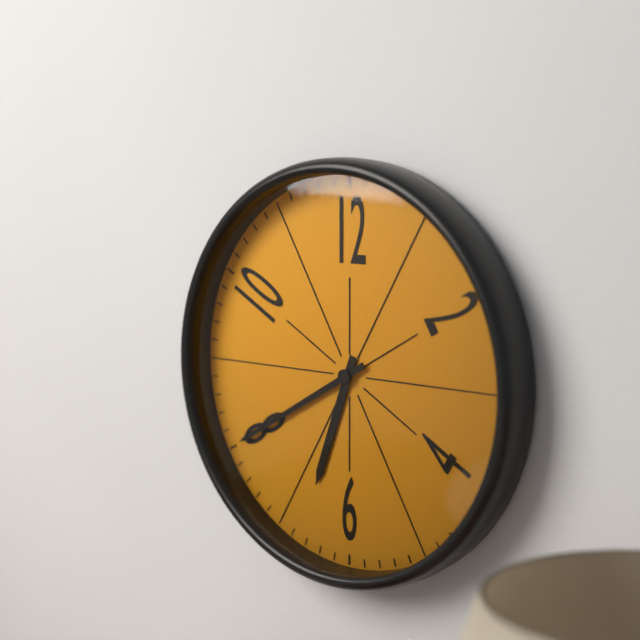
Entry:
6.40
